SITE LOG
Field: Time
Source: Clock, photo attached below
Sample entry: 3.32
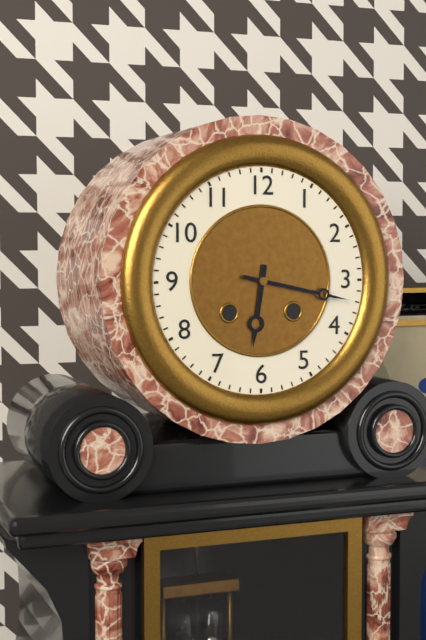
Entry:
6.17
